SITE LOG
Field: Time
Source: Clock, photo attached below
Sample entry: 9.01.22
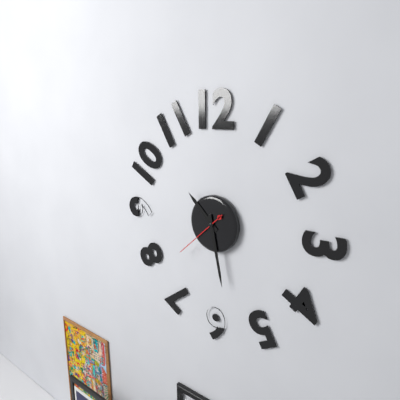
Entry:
10.28.38
